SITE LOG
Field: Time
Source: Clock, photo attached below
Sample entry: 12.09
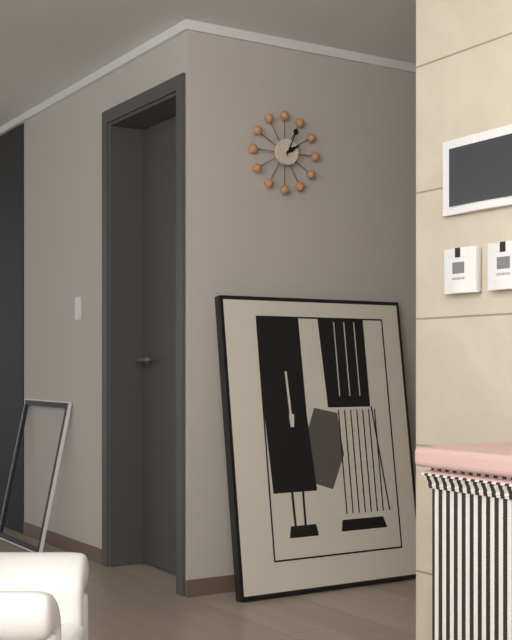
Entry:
2.04
